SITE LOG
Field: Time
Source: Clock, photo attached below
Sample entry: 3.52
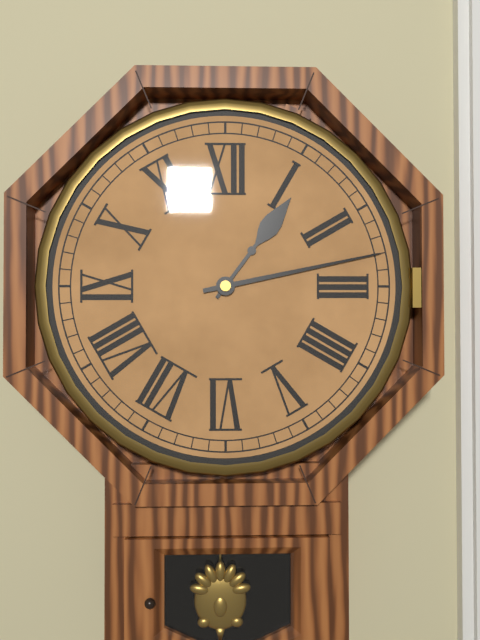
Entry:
1.13
